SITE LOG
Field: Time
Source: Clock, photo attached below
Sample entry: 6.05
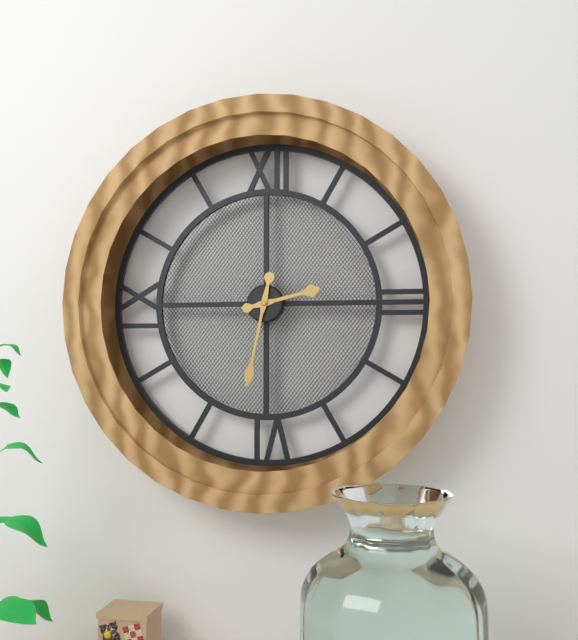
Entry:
2.32
